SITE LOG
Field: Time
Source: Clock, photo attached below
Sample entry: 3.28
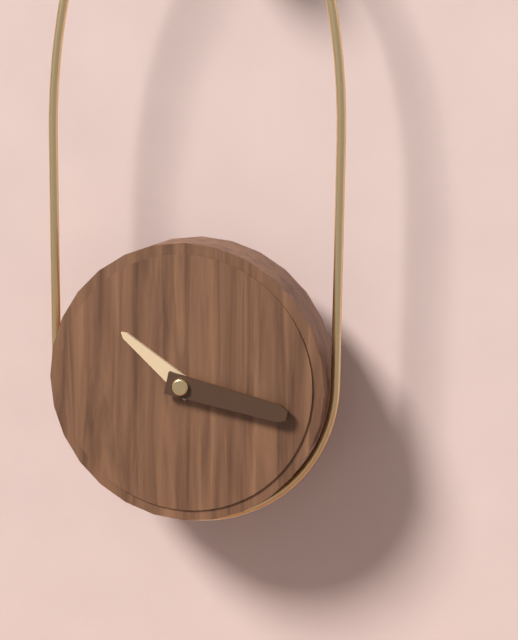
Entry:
10.17
